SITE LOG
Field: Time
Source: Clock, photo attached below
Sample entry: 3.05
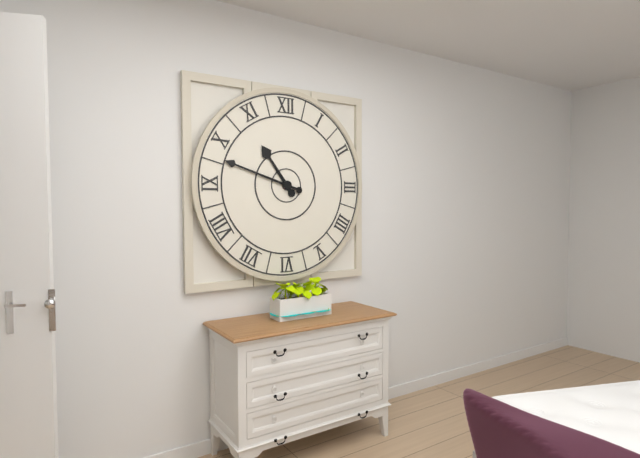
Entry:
10.48
